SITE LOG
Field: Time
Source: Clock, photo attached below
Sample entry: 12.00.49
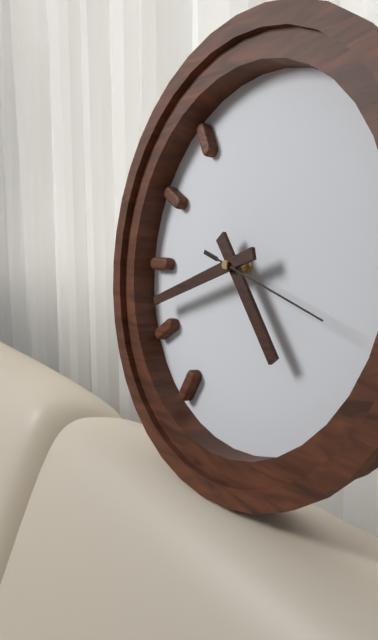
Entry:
4.42.18
